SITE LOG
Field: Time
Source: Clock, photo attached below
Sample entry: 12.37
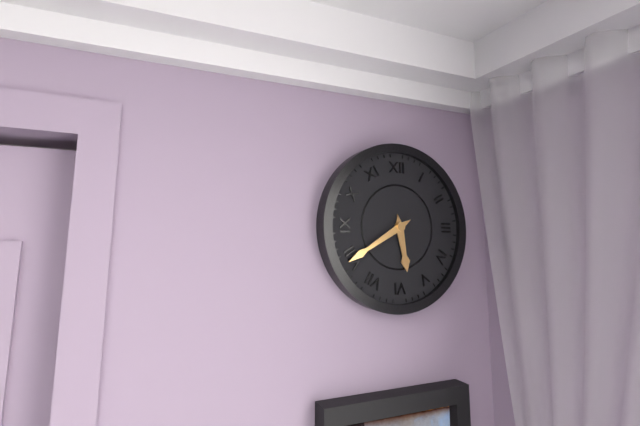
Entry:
5.40
